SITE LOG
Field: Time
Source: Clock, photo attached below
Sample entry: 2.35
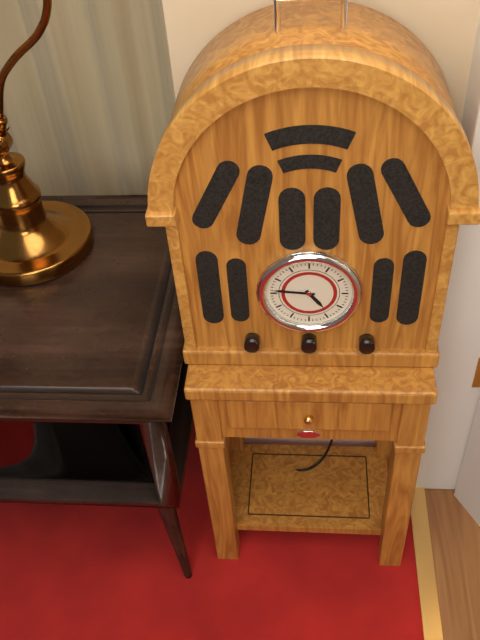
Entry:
4.46
